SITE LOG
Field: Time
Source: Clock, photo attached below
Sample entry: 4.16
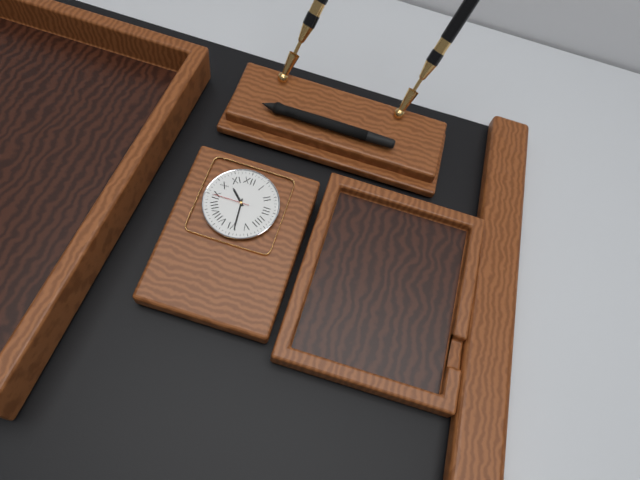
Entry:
10.29
